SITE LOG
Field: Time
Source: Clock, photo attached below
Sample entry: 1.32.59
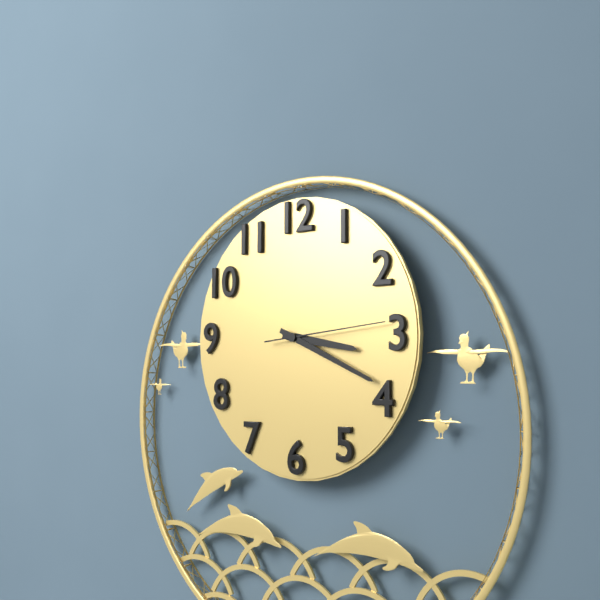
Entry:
3.19.14
